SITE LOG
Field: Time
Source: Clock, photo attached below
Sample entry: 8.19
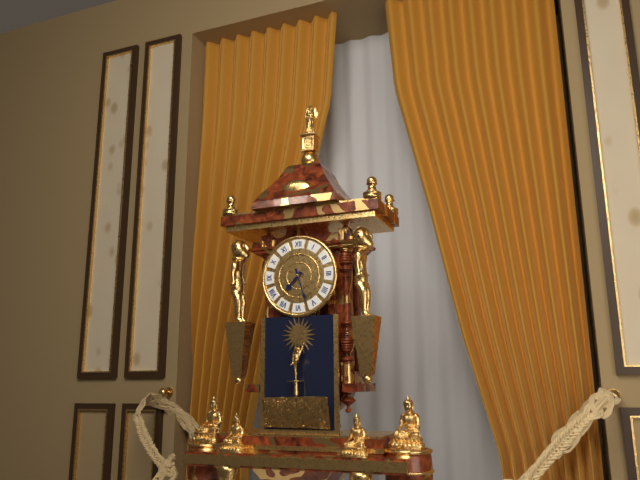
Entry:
7.27
